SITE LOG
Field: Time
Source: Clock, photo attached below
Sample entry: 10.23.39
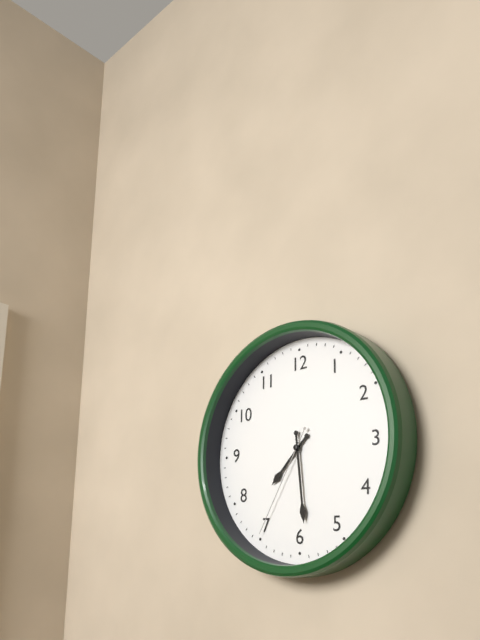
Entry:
7.29.35
